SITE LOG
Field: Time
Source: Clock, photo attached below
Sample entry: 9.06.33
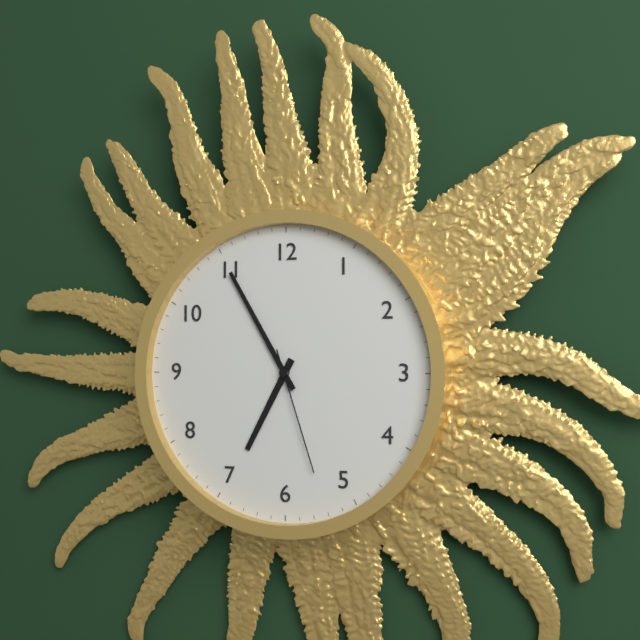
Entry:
6.55.27
